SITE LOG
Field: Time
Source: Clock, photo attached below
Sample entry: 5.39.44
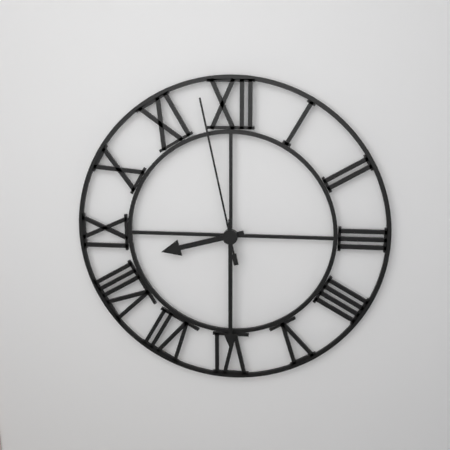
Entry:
8.30.58
